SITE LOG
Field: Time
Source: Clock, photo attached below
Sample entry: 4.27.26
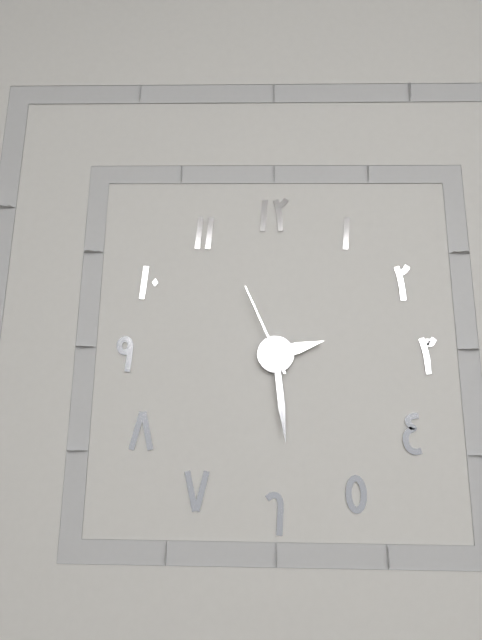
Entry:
2.29.56
